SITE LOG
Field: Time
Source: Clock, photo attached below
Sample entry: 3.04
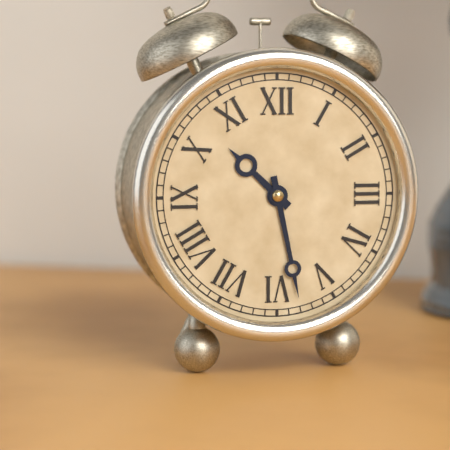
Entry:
10.28
